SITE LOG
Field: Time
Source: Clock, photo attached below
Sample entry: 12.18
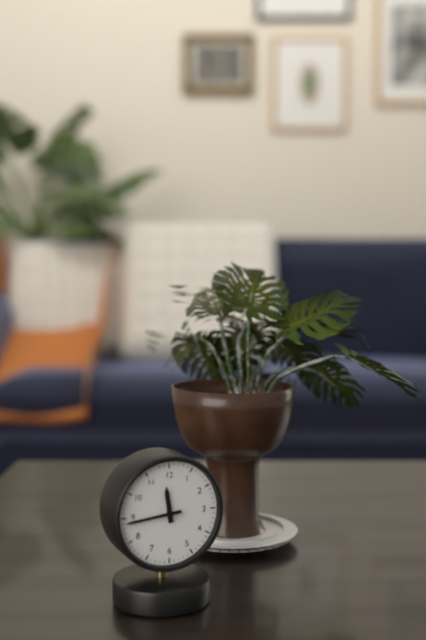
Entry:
11.44
